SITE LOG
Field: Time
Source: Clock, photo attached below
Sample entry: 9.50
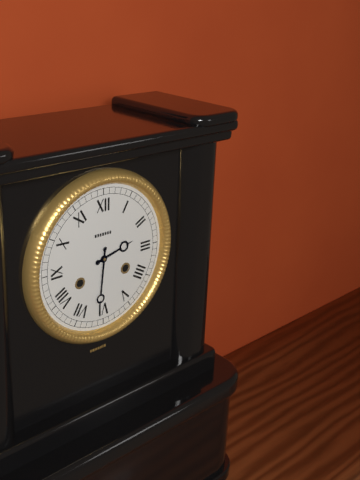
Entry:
2.31
